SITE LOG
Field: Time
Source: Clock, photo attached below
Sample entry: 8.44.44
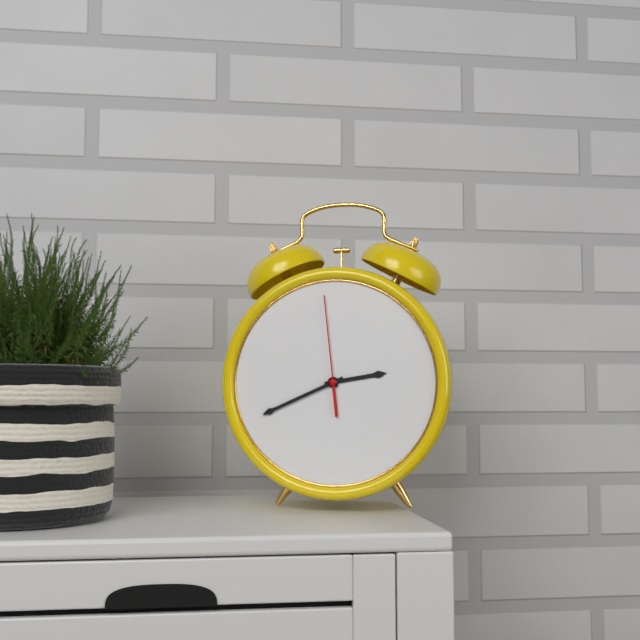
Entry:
2.41.59
